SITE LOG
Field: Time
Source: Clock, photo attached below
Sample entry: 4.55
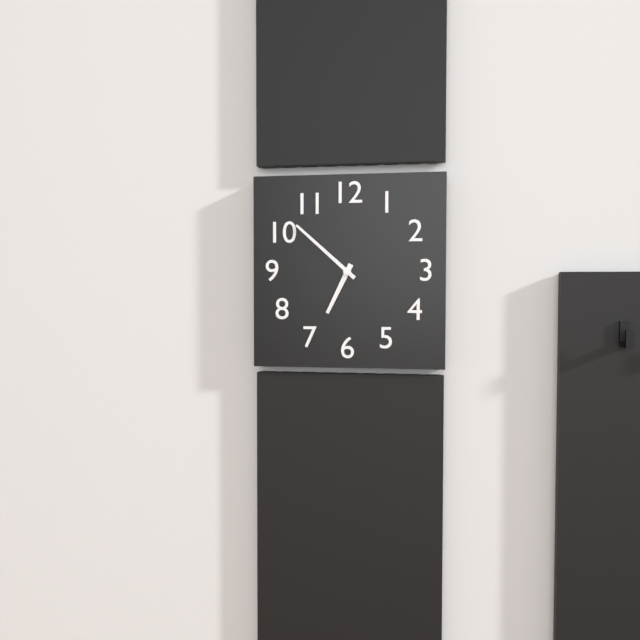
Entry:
6.52
